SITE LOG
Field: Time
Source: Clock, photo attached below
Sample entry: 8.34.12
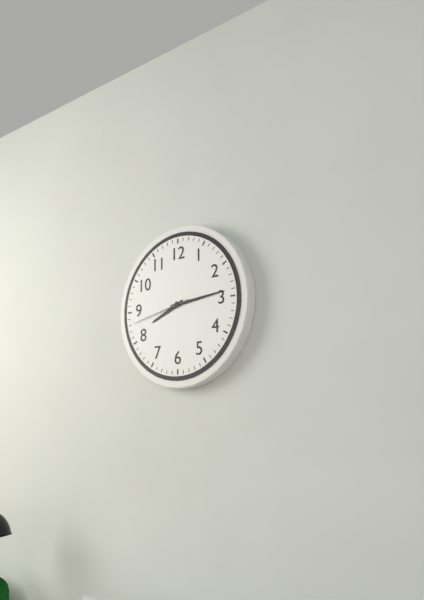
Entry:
8.14.43
